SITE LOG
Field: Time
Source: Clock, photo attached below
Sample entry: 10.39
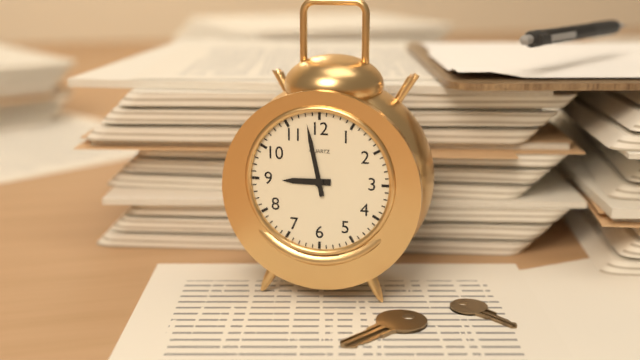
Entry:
8.58
